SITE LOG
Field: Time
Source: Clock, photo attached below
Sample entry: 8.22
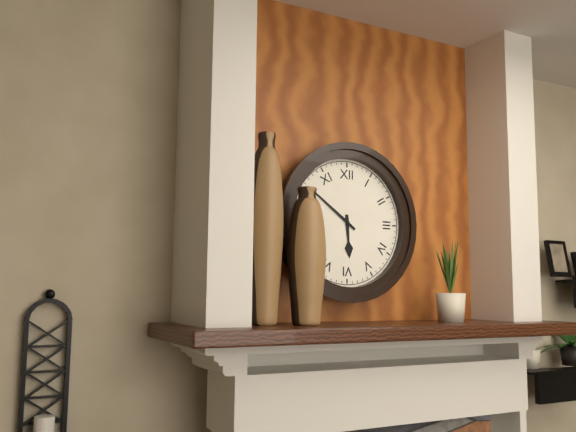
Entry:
5.51
